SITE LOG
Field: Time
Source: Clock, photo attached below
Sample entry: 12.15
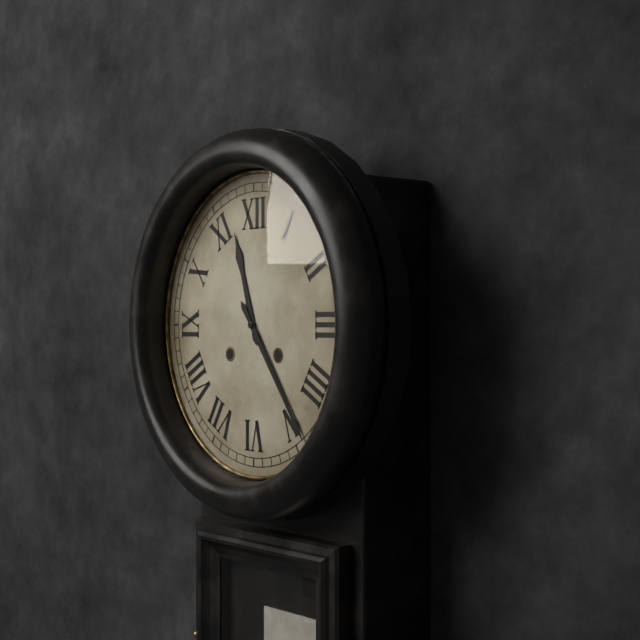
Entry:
11.24
